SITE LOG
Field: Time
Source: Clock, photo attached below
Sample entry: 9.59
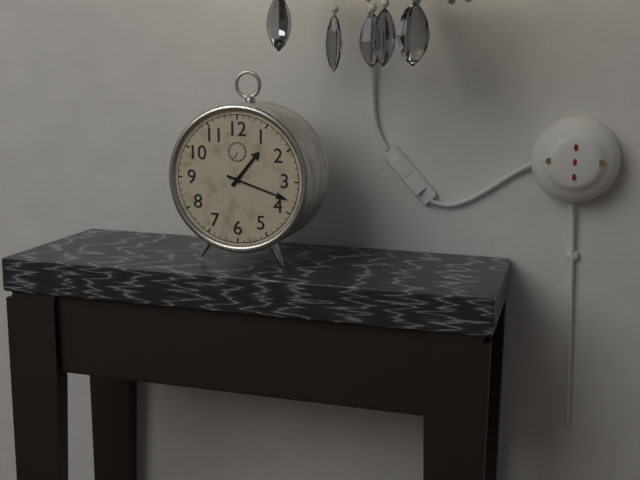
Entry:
1.18
